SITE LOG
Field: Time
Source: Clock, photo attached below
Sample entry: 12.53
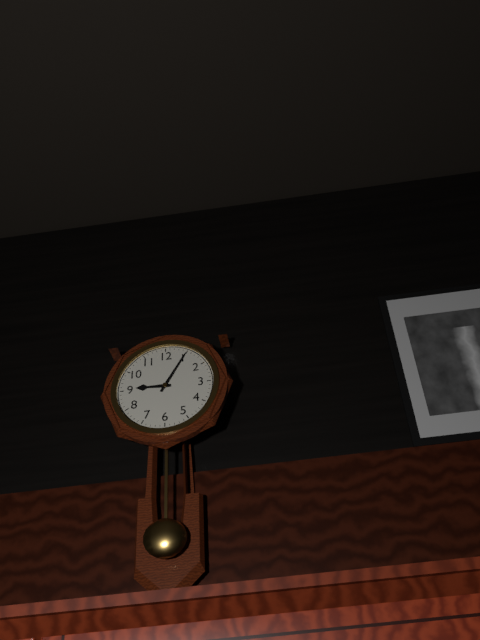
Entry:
9.05
